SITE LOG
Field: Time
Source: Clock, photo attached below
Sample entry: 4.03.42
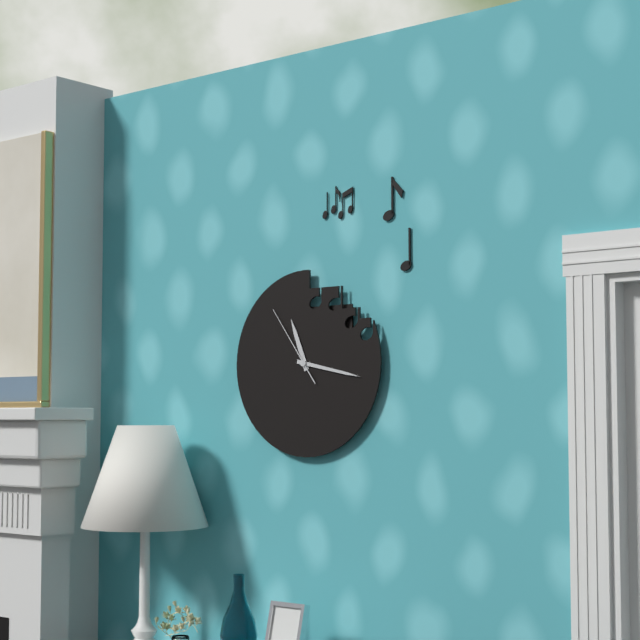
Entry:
11.17.54
